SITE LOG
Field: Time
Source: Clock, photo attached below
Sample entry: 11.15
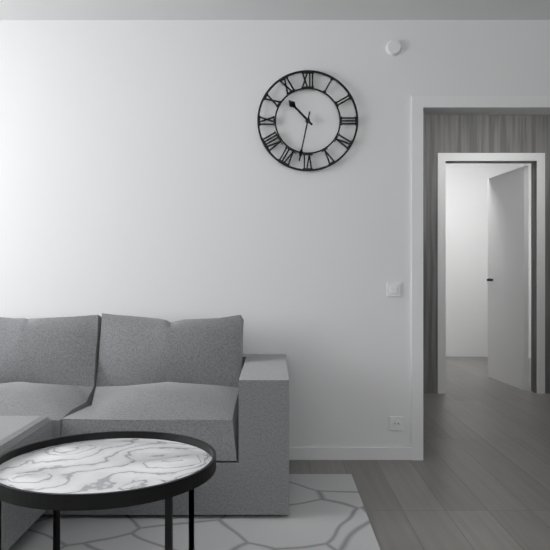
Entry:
10.32
